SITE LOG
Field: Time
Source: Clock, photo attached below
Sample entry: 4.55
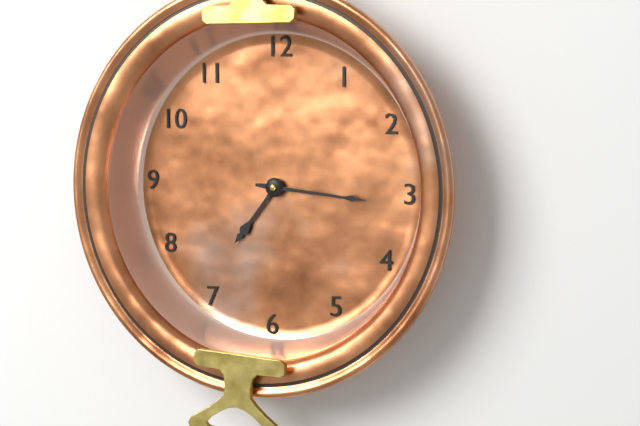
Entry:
7.16
